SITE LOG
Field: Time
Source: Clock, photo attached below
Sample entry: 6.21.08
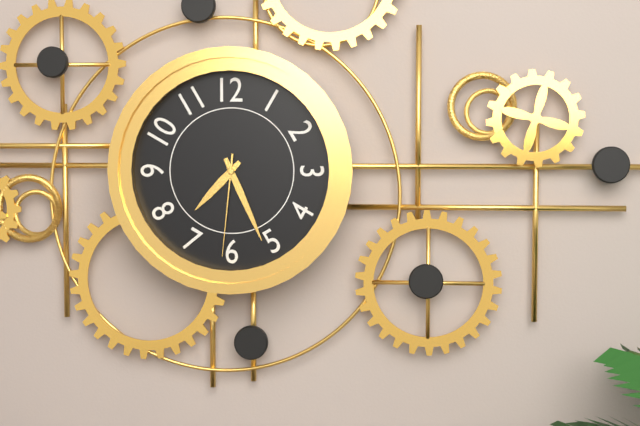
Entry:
7.26.31
